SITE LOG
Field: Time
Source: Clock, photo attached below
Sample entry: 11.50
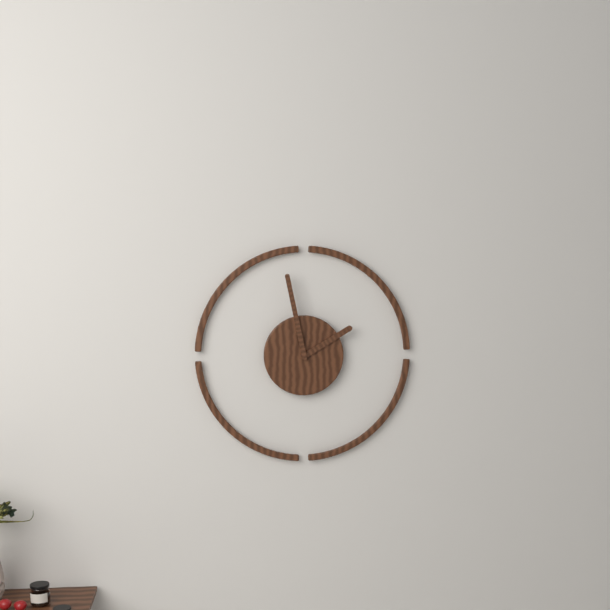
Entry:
1.58
